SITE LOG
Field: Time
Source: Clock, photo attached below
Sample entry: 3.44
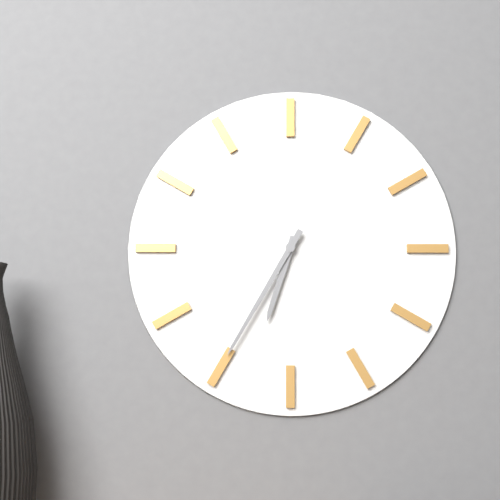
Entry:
6.35
